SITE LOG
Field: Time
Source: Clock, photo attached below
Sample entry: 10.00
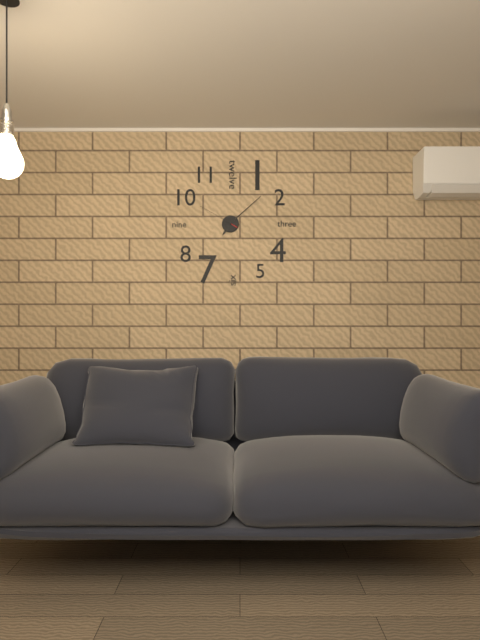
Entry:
7.08
